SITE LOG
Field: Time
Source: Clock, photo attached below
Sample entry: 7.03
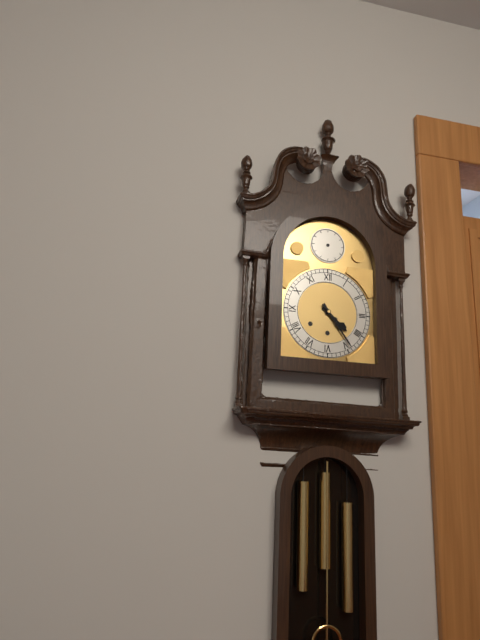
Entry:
4.24
